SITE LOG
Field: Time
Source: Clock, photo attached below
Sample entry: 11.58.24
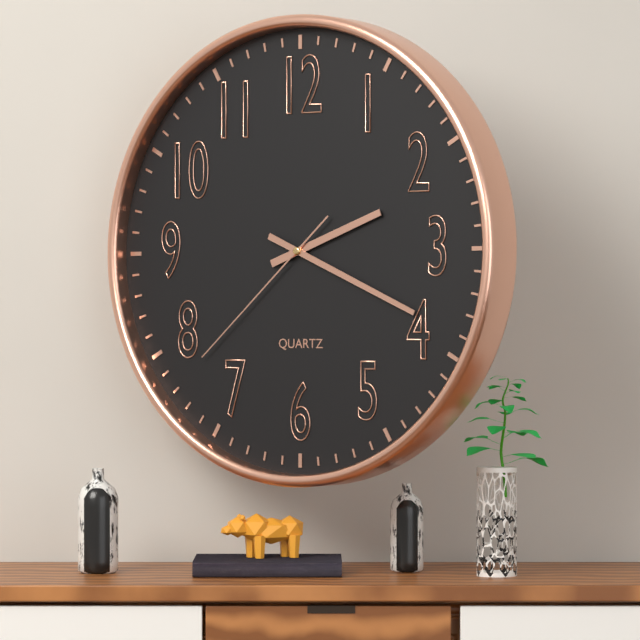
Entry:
2.19.38
